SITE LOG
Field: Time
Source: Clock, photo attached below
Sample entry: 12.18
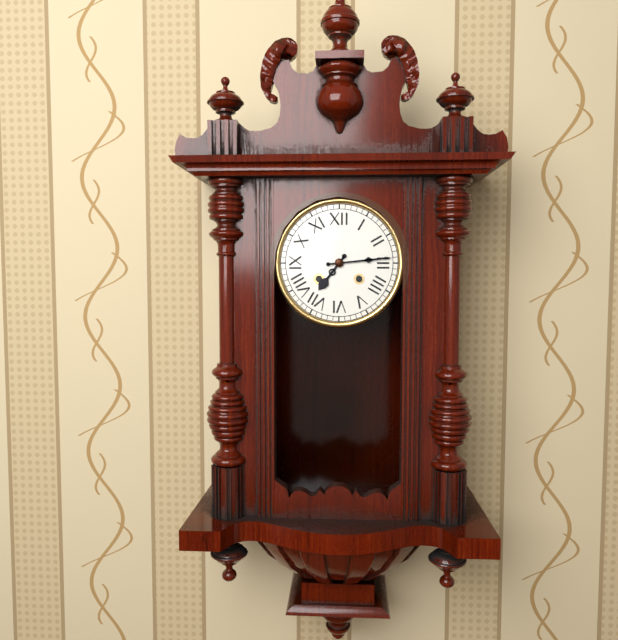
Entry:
7.14
